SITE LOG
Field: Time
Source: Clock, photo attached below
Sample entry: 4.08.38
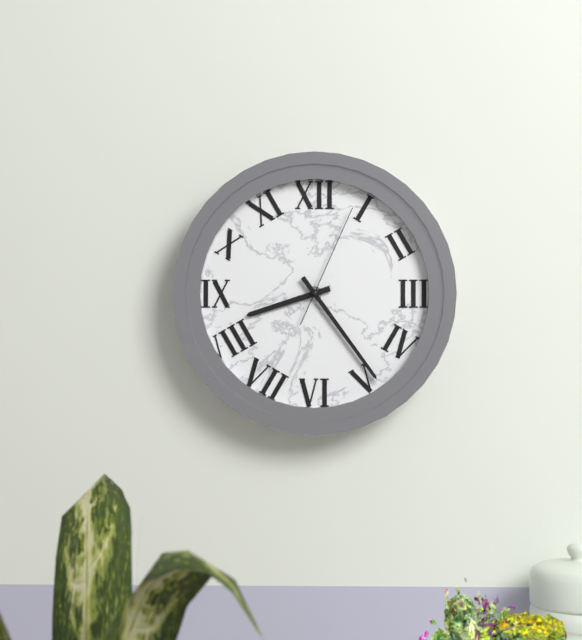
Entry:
8.24.04
